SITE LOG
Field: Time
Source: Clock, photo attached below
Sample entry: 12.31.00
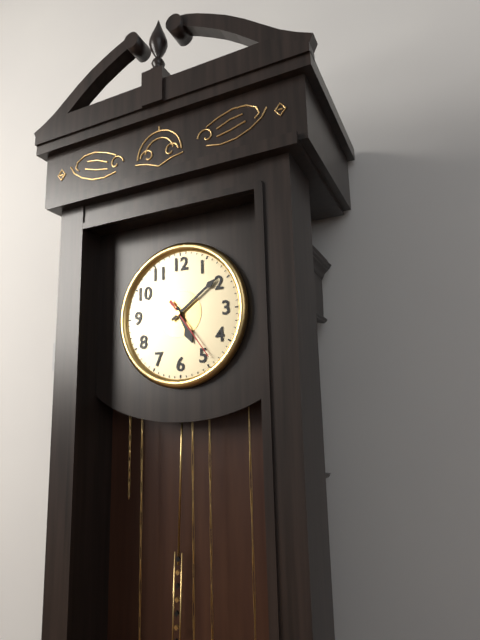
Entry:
5.09.24
